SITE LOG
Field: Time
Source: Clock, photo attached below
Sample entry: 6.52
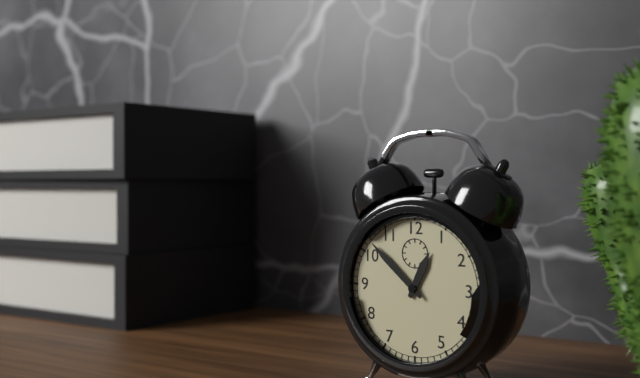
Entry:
12.52
